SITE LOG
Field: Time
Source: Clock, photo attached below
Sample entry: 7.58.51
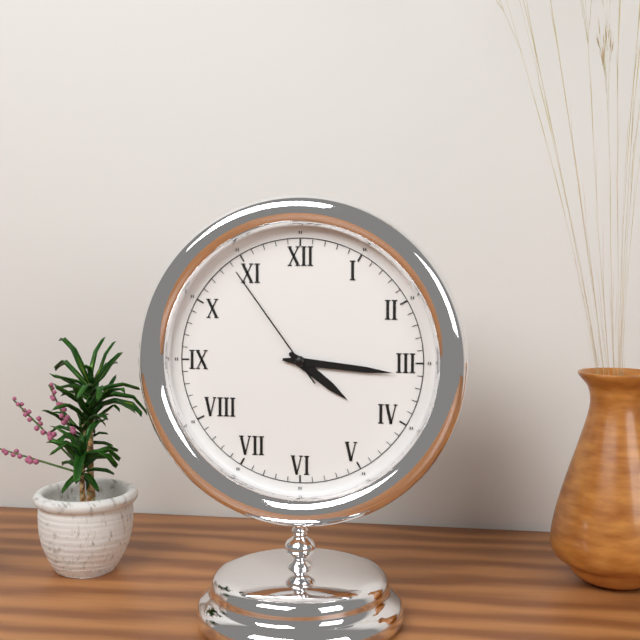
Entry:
4.16.54
